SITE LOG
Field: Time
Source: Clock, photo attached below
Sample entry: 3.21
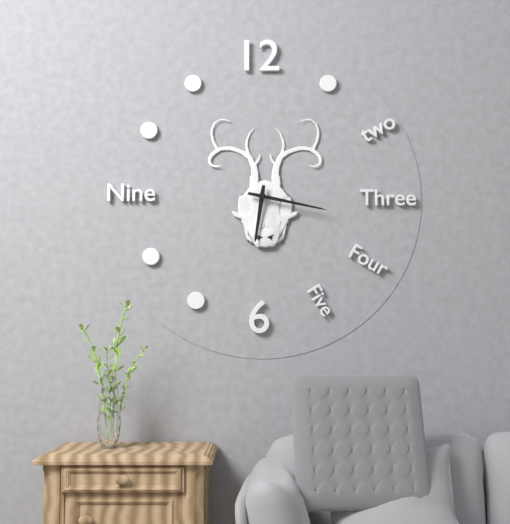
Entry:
6.17
